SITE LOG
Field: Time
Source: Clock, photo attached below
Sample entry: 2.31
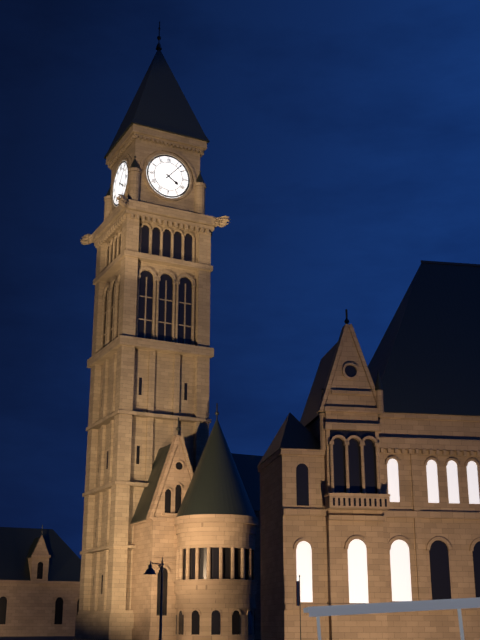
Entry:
4.07
